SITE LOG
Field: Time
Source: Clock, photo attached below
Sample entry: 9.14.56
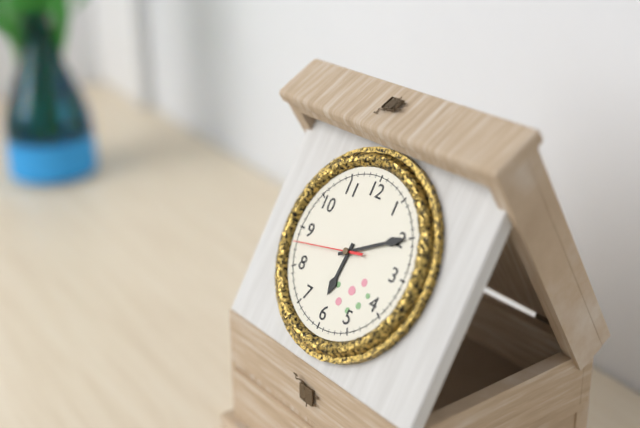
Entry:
6.10.43
